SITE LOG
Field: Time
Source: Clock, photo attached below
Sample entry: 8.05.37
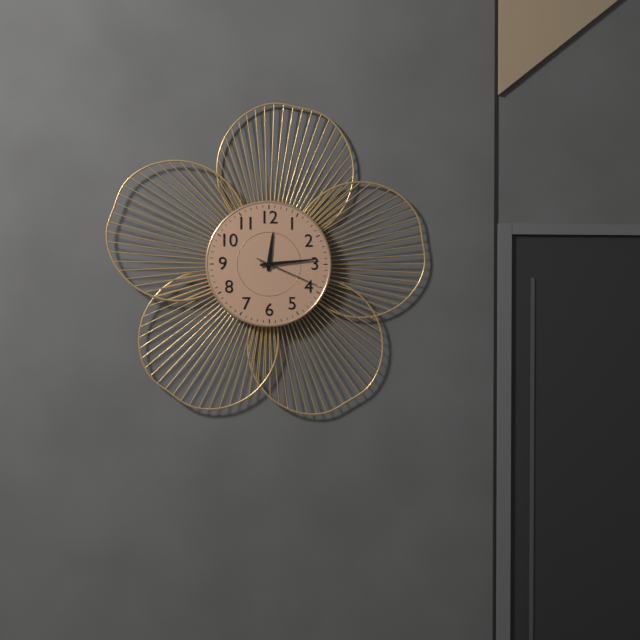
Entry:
12.14.19
